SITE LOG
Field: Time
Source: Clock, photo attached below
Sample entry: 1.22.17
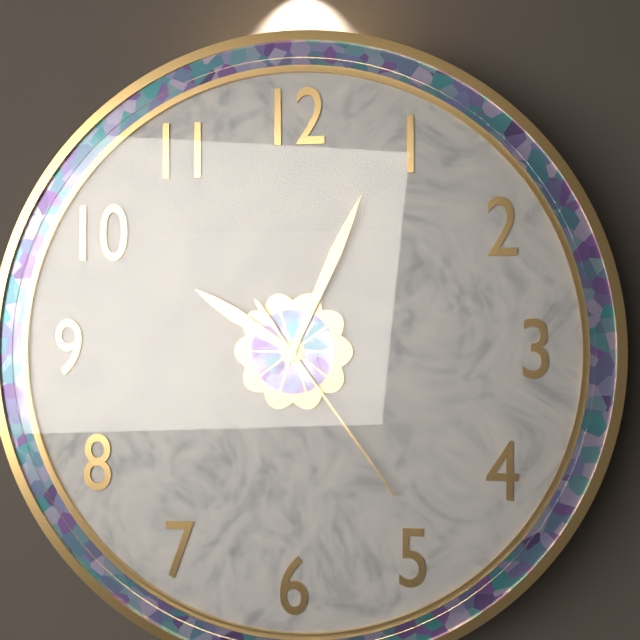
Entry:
10.04.24
